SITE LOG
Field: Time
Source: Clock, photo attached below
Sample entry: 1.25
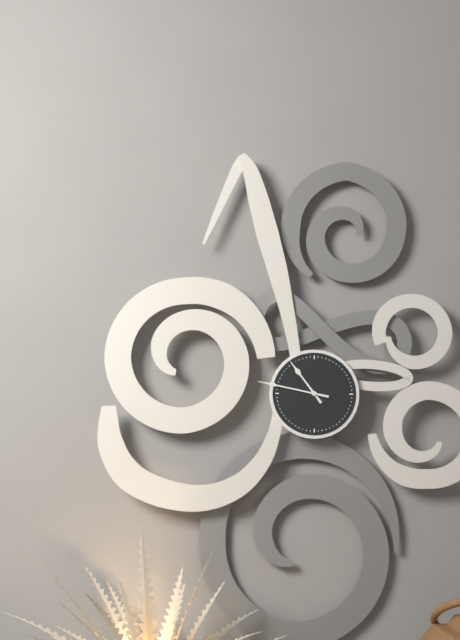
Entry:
10.47
